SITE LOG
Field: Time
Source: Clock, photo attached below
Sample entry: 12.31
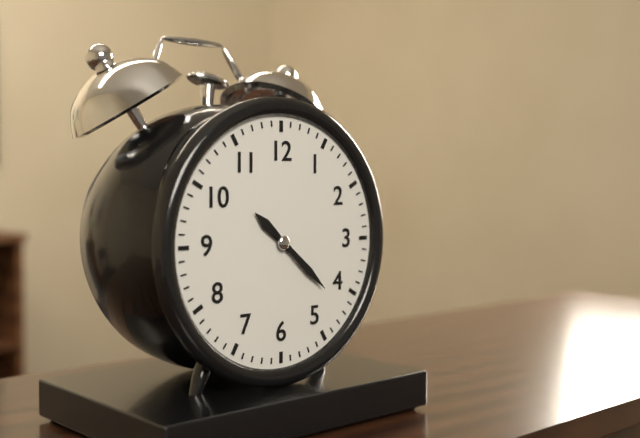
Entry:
10.22
